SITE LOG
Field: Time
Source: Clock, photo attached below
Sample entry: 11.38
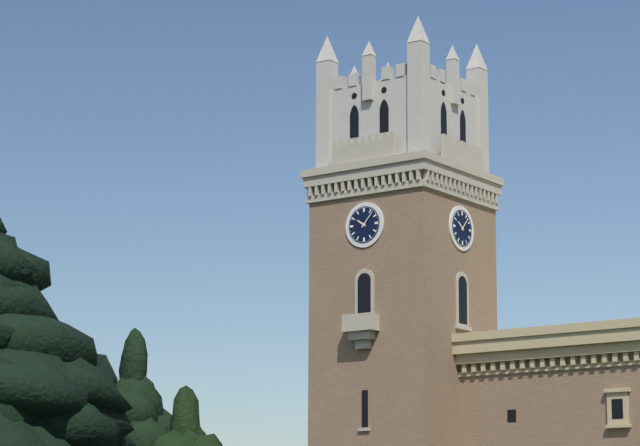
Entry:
10.07
